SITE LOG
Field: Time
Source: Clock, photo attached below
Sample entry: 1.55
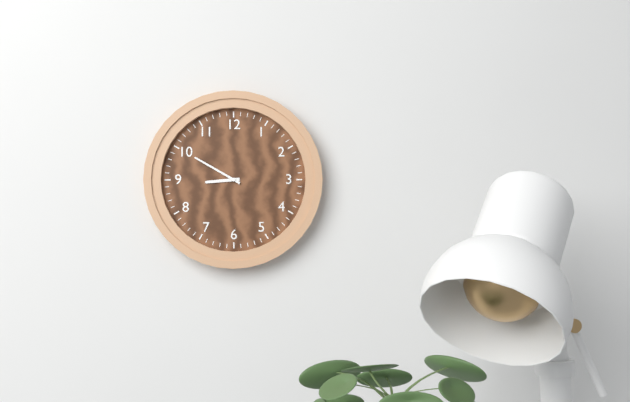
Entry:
8.50
